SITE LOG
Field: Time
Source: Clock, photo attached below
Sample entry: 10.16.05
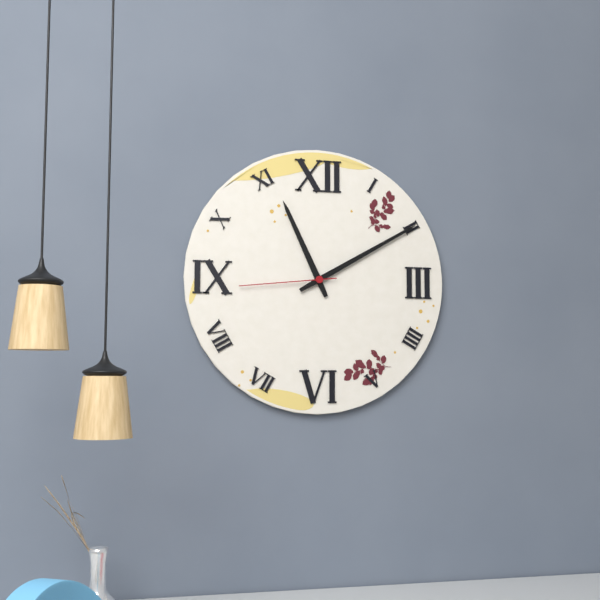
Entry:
11.10.44
